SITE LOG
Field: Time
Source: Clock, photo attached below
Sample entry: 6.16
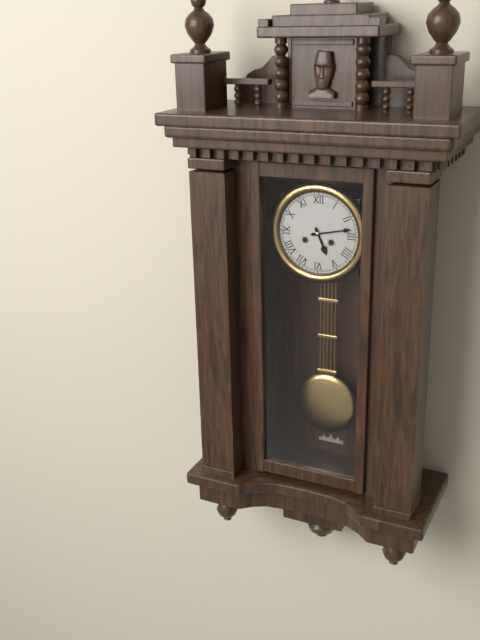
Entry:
5.13
